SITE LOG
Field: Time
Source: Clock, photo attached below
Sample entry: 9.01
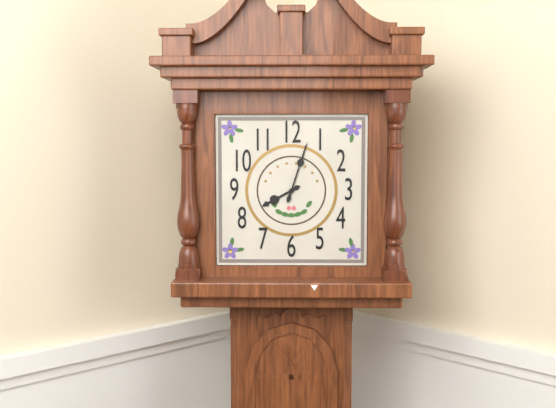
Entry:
8.03
